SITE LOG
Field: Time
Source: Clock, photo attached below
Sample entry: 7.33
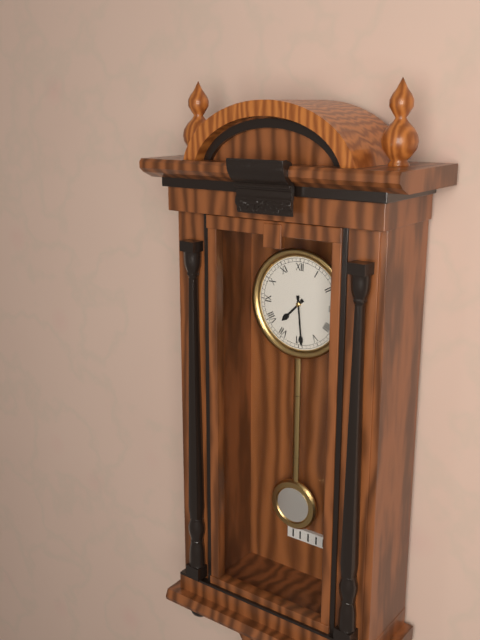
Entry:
7.29
